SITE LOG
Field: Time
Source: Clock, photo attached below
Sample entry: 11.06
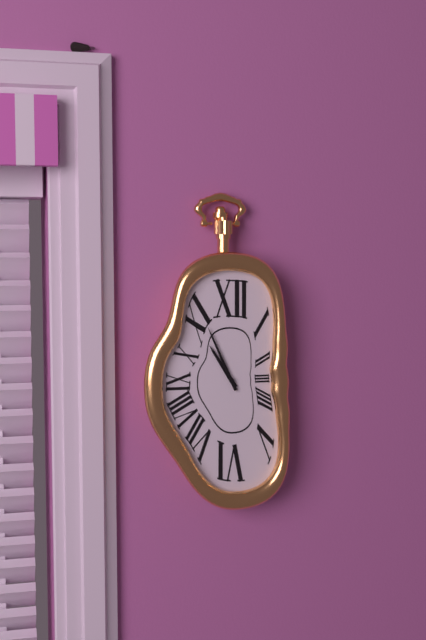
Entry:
10.56
